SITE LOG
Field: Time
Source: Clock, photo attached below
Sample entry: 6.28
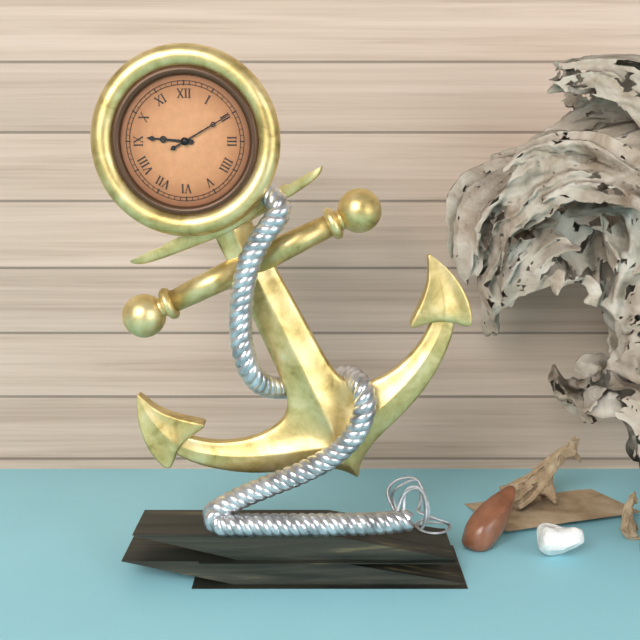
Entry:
9.10
